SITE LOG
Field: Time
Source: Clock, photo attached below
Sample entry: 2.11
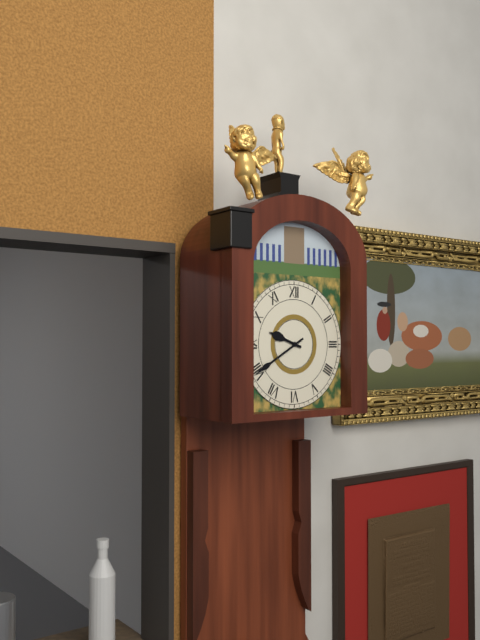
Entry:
9.40
